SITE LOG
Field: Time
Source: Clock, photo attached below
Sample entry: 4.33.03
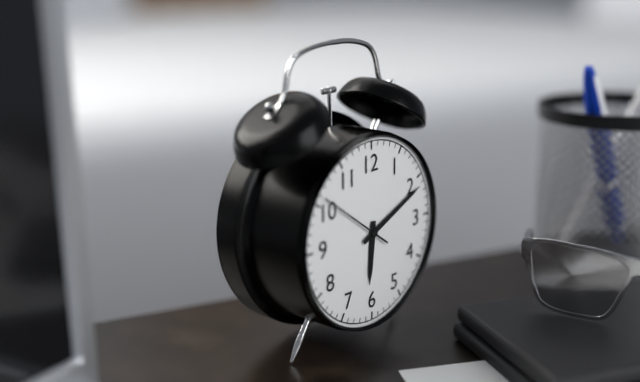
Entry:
6.11.51
